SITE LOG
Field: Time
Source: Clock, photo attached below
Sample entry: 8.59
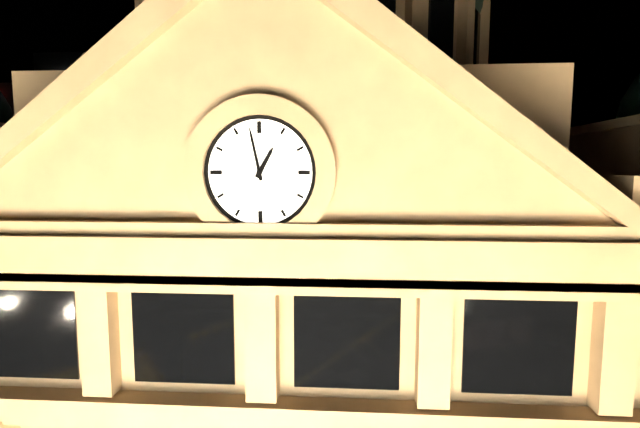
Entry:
12.58
